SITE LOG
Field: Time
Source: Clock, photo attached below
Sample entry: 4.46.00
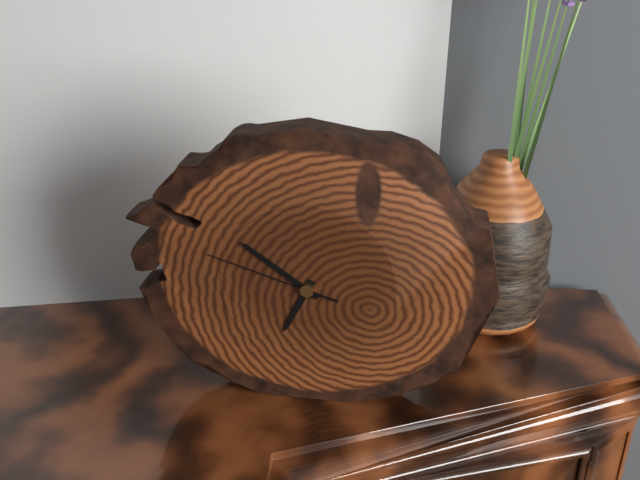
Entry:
6.51.48
